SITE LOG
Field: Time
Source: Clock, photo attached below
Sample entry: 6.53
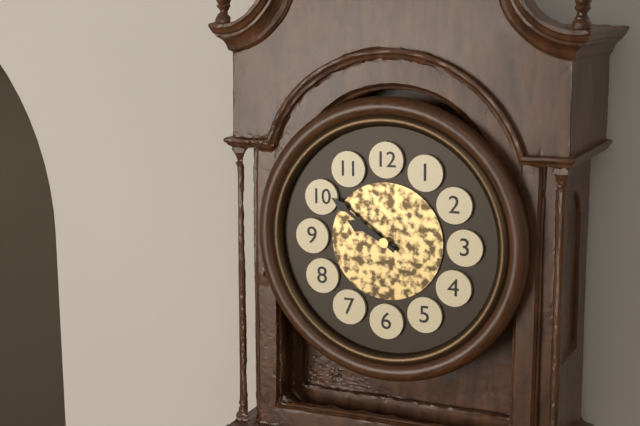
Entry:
9.51
